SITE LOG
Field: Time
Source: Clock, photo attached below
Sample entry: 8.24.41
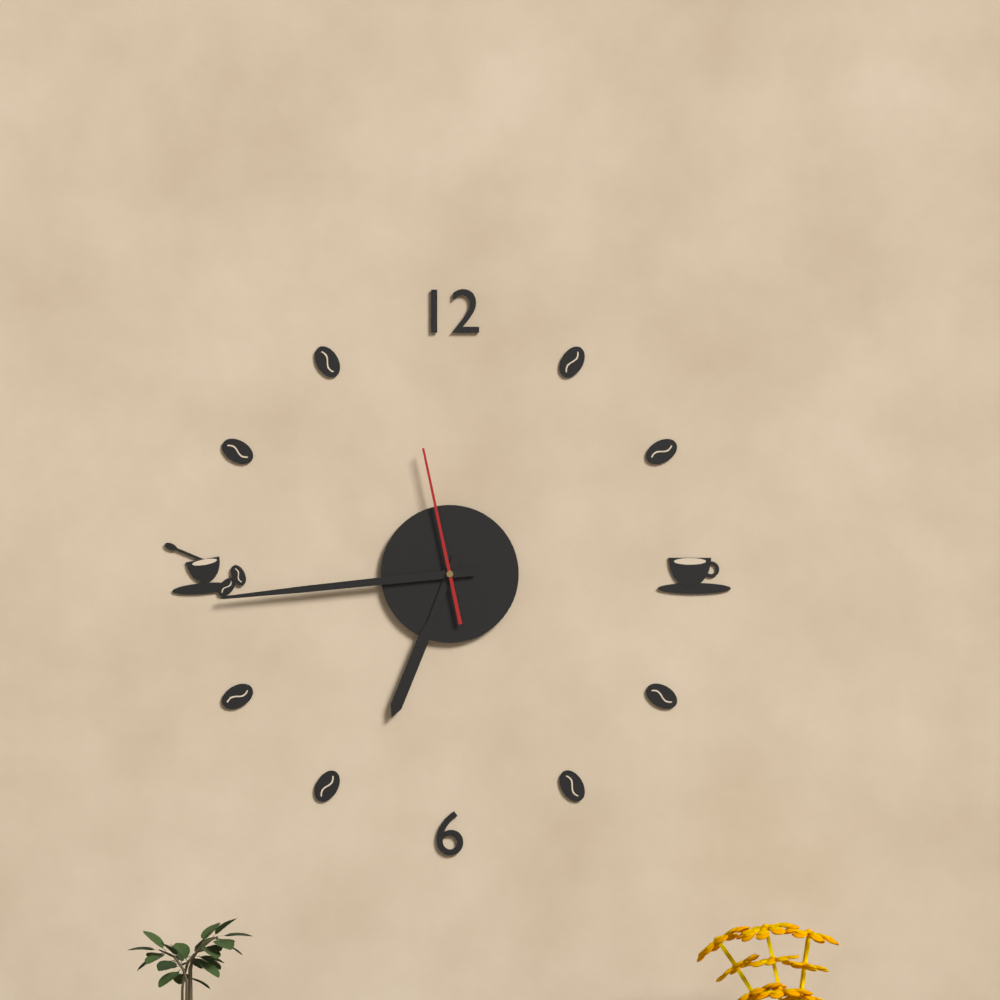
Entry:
6.44.58
